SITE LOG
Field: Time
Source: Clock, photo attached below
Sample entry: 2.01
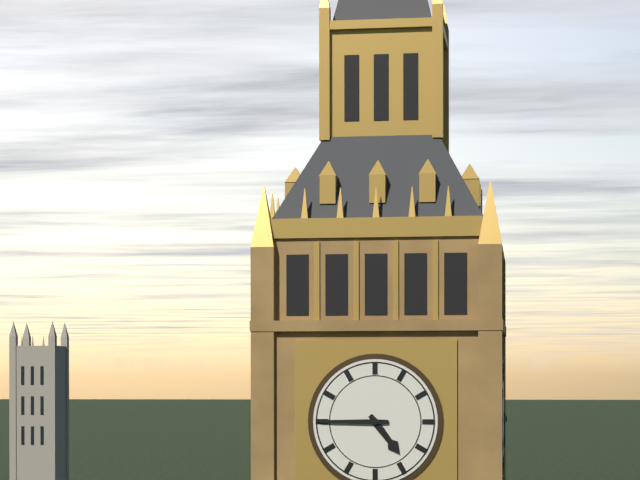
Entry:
4.45
